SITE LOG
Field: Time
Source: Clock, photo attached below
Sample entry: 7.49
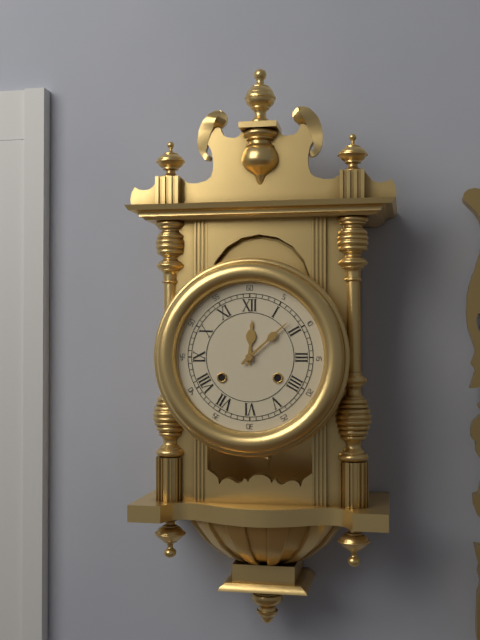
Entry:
12.08
